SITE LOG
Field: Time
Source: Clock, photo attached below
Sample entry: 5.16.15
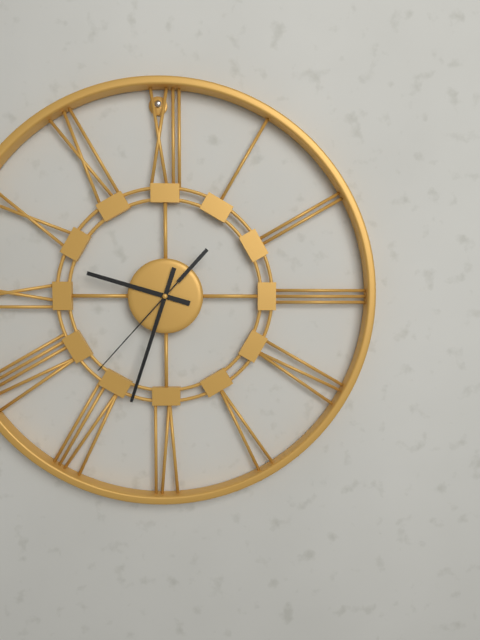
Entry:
9.33.37
